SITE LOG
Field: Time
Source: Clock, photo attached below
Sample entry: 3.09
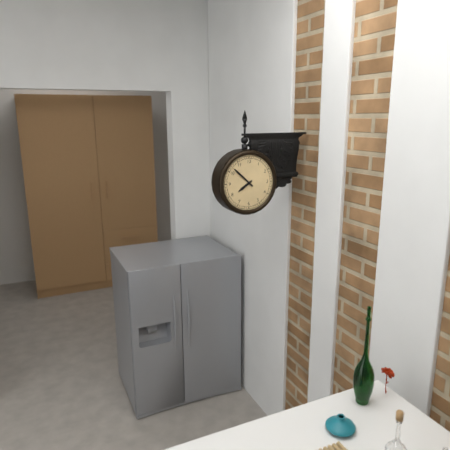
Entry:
7.52
